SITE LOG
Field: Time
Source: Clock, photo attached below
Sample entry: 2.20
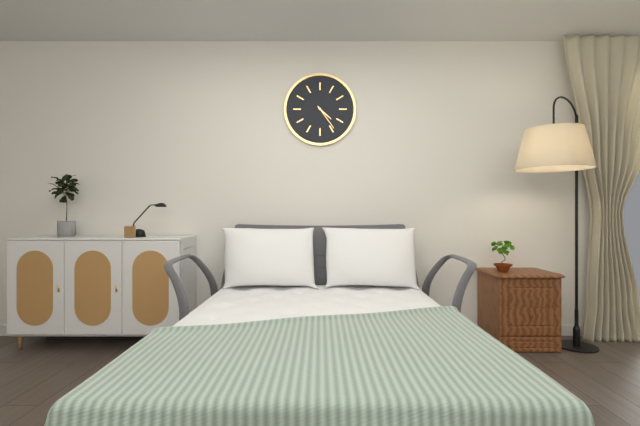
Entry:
4.24
